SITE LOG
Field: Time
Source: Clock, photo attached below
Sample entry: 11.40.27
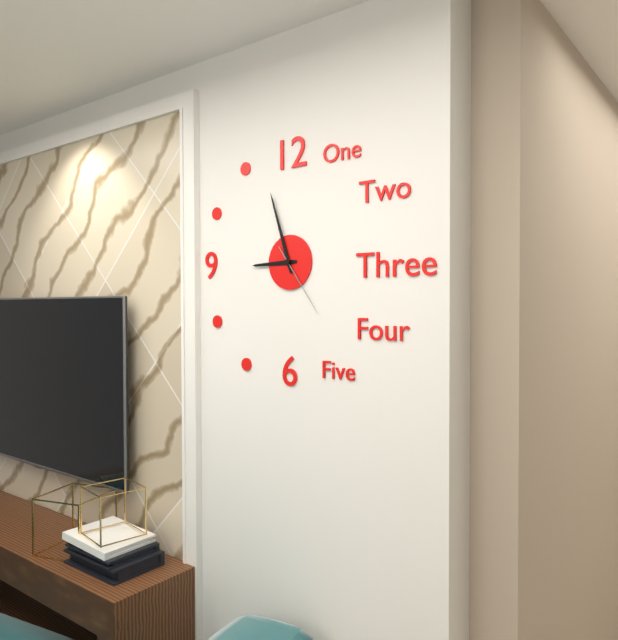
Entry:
8.57.24
